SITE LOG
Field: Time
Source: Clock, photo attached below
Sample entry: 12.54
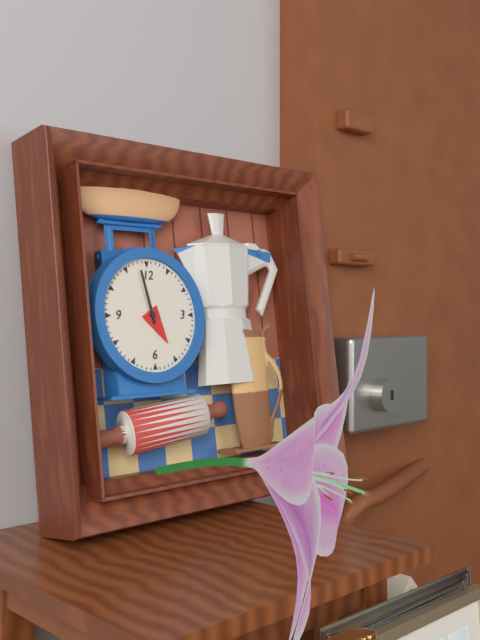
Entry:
4.58
